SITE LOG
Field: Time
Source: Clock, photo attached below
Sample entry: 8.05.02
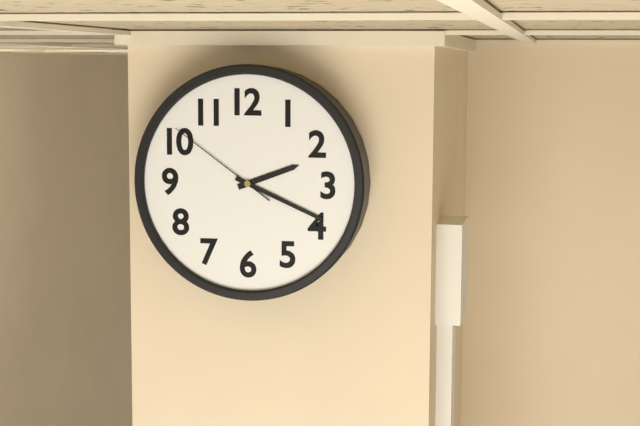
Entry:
2.19.51
